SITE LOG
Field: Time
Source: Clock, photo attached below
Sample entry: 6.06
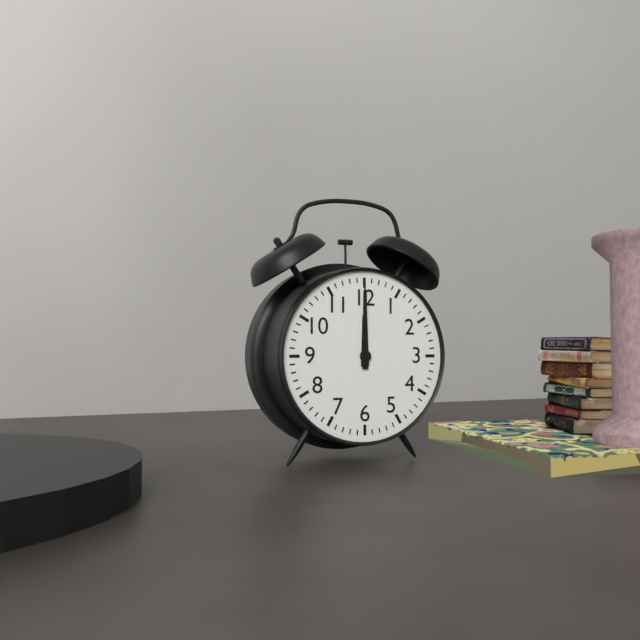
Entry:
12.00
